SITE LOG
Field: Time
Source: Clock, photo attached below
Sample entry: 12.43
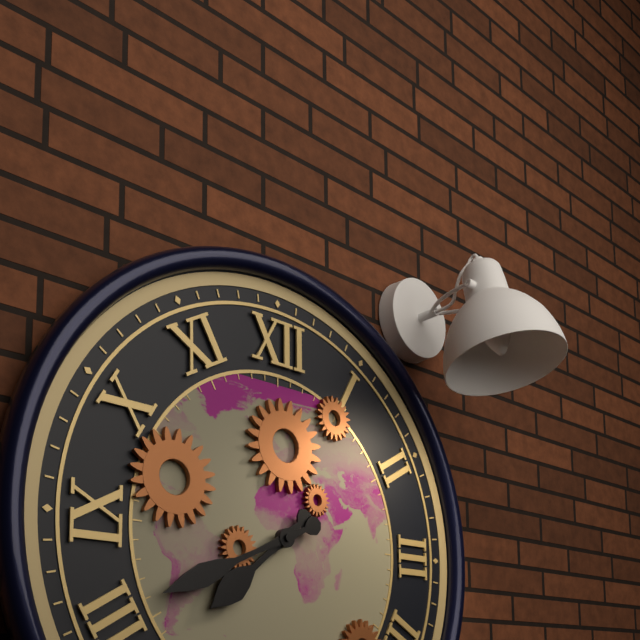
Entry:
7.41
